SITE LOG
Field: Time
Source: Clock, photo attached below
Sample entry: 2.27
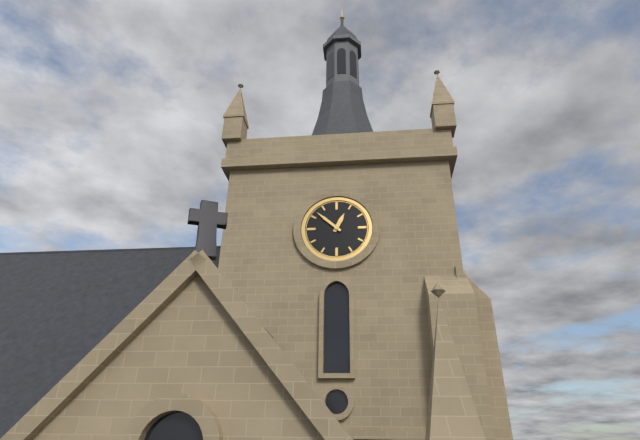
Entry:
12.52
